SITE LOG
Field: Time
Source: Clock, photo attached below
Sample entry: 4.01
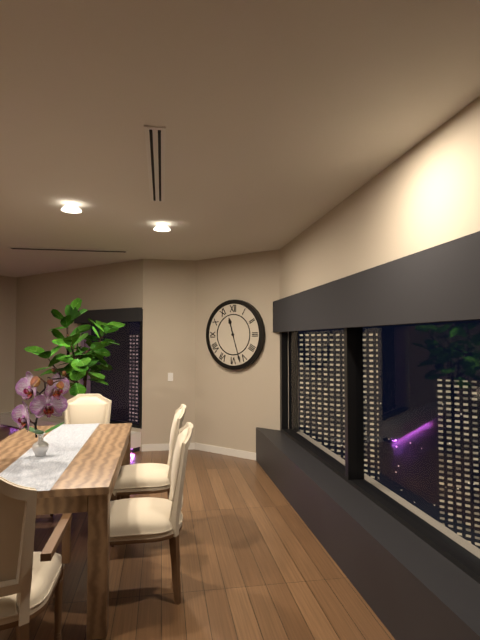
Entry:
11.27
